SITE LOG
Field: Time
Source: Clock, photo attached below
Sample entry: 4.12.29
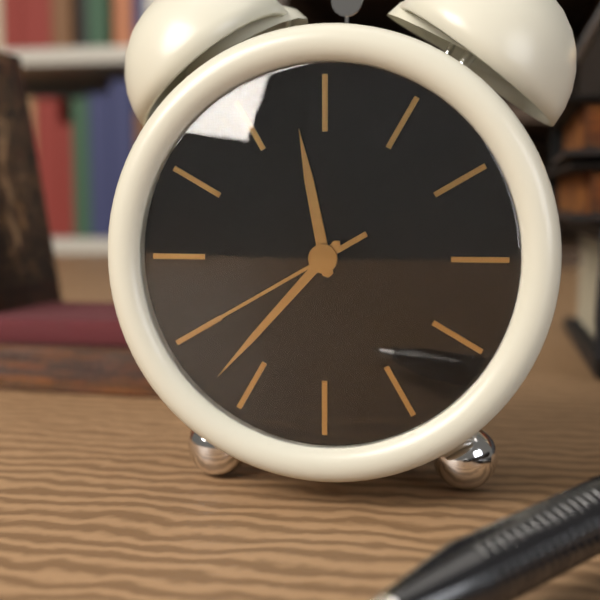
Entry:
11.37.40
